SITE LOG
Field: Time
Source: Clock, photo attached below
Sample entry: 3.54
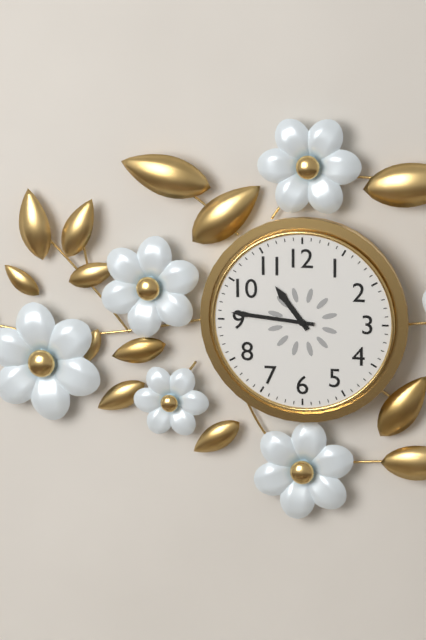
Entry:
10.46
